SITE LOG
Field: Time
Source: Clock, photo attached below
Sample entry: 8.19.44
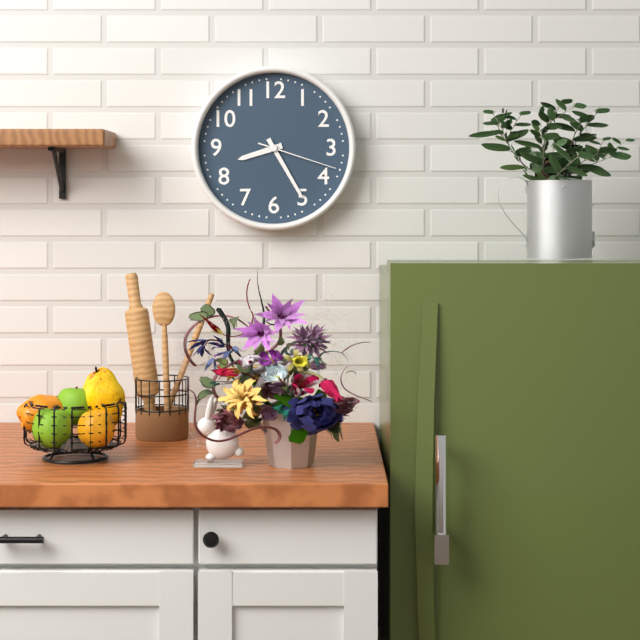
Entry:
8.25.18
